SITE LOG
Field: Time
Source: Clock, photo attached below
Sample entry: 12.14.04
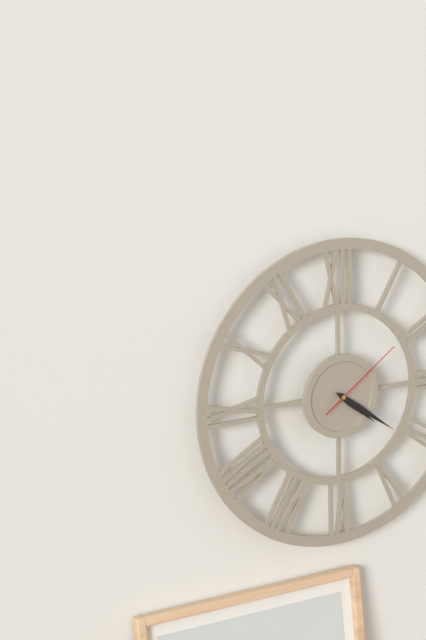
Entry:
4.21.09
